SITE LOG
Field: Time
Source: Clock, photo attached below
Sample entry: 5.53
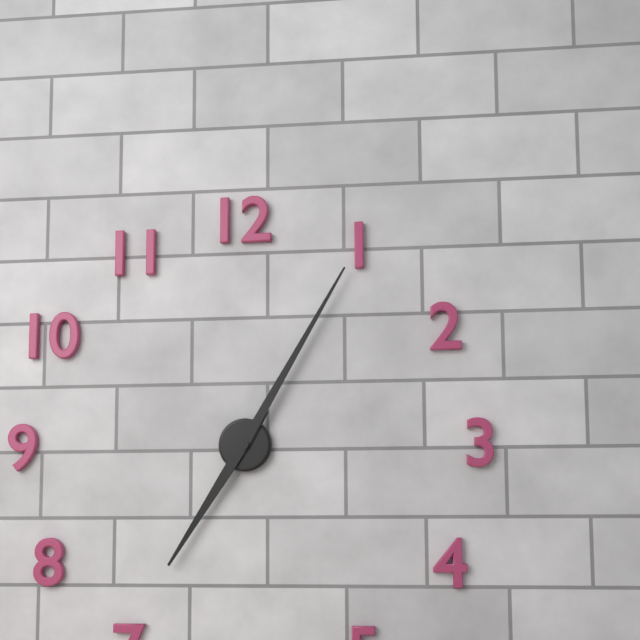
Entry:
7.05
